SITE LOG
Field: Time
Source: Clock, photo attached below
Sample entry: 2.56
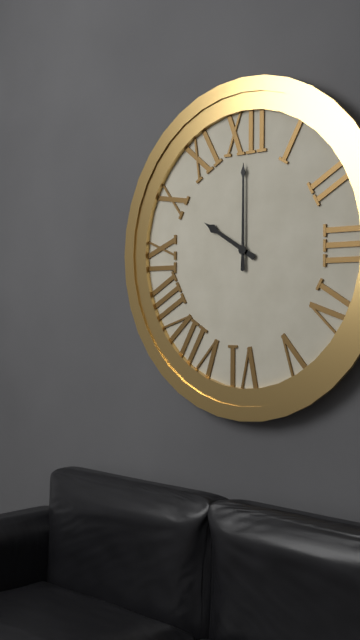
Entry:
10.00
